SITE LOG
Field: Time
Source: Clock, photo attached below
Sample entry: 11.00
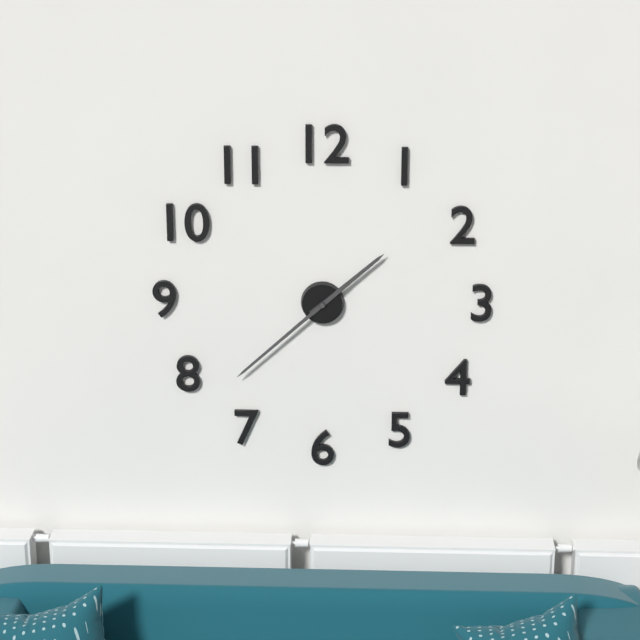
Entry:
1.38
